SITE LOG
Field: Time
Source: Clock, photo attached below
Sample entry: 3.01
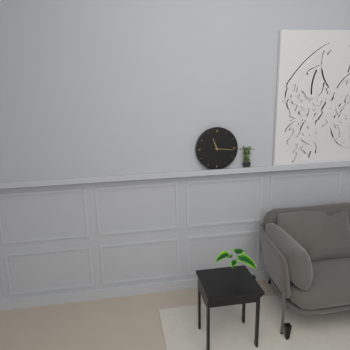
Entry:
11.16
